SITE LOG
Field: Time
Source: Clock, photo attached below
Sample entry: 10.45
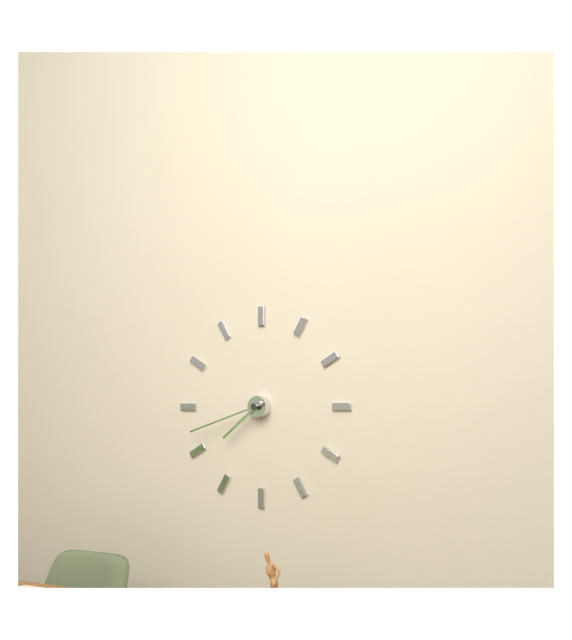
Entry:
7.42
